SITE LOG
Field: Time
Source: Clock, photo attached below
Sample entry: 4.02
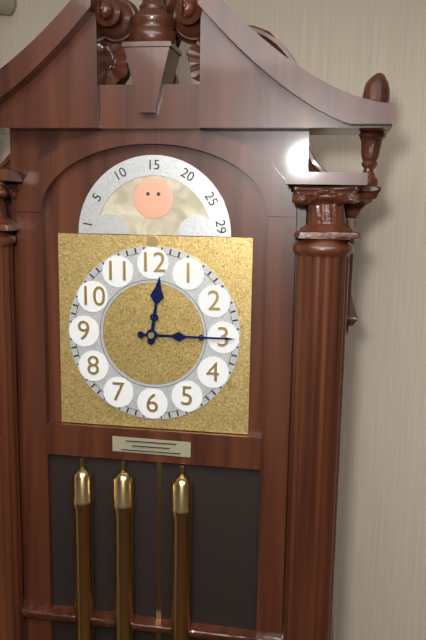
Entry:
12.15
